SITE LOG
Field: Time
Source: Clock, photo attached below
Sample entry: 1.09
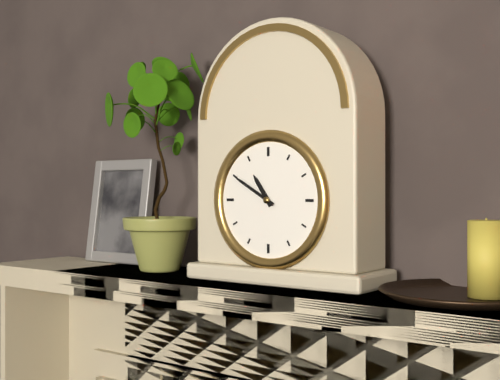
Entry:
10.50
